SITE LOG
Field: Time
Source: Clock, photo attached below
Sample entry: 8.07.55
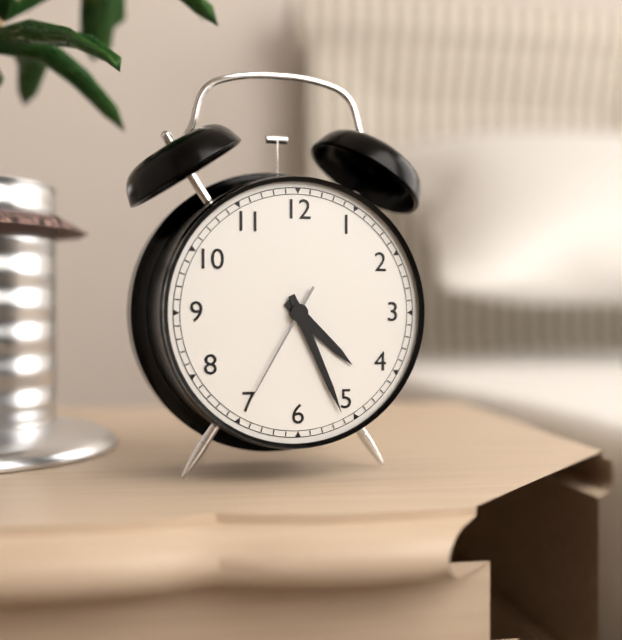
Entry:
4.26.35
